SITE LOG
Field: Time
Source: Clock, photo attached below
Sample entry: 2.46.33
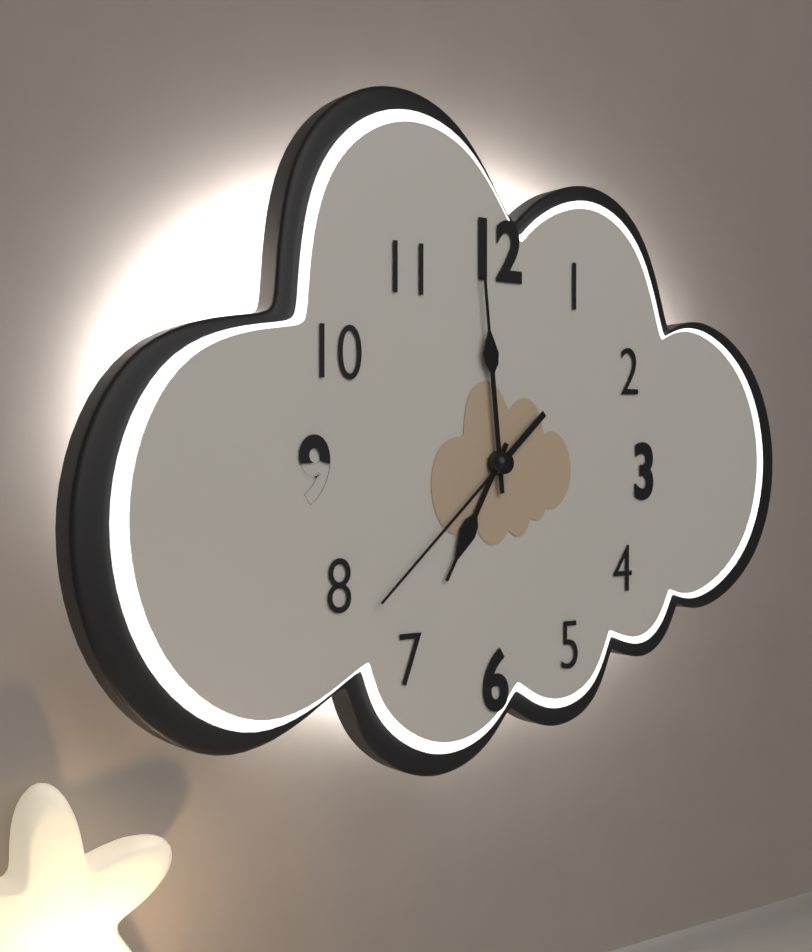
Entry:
6.59.38
